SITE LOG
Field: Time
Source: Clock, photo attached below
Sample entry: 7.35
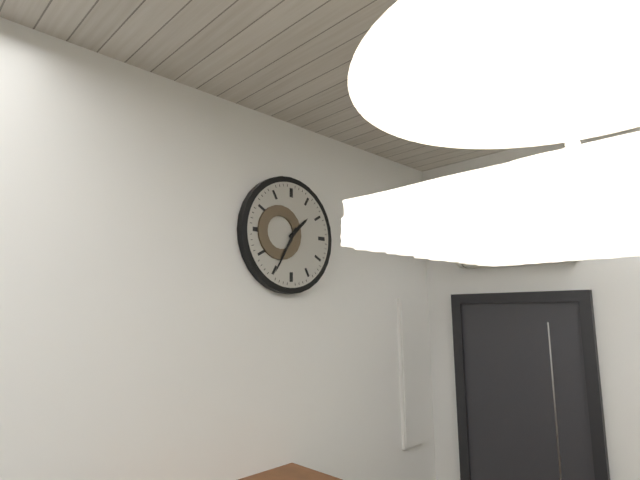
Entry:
1.35
